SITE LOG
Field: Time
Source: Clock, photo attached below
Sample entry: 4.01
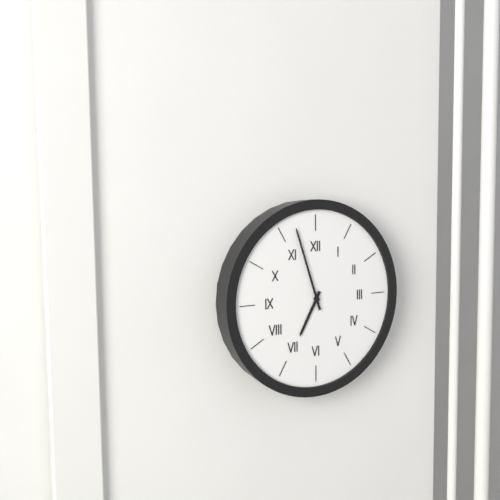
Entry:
6.57
